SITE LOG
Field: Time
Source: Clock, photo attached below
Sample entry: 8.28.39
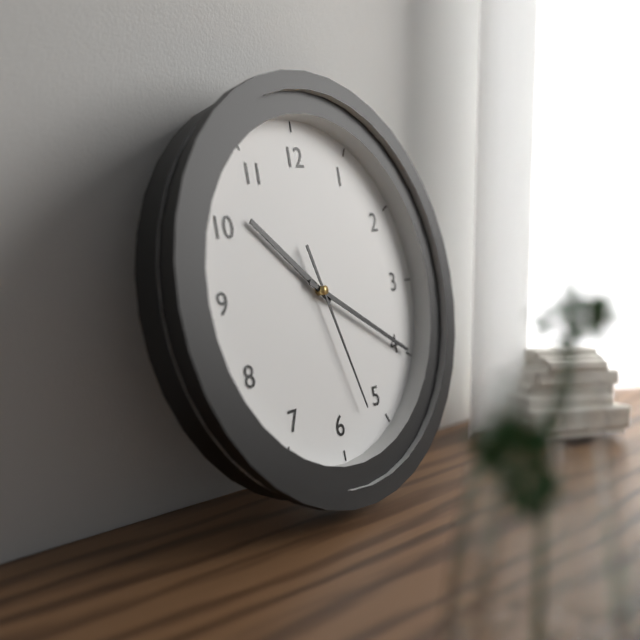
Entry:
10.20.27
